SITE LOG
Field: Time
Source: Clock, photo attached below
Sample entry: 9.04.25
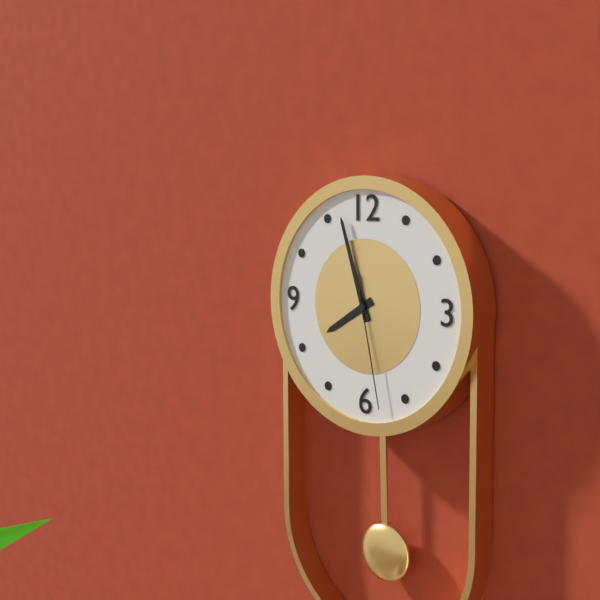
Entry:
7.57.28
